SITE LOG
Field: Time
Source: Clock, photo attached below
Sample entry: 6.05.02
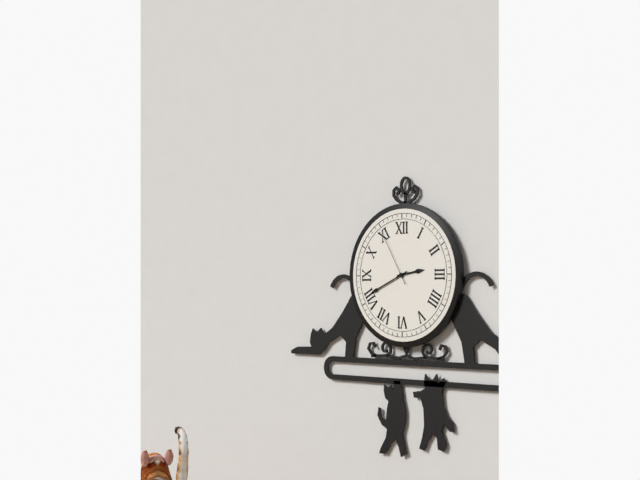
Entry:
2.41.55
